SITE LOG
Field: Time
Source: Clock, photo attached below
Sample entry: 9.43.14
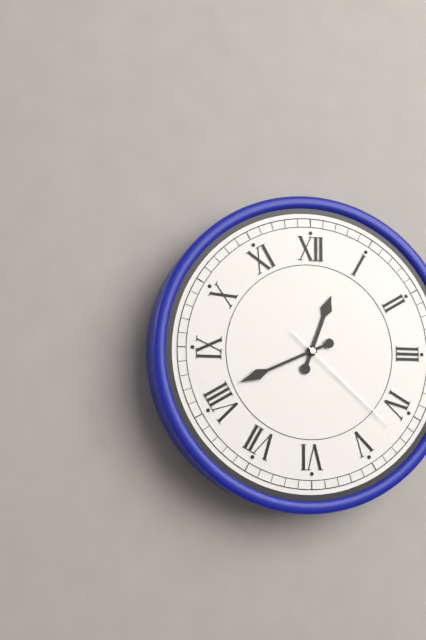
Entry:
12.41.22
